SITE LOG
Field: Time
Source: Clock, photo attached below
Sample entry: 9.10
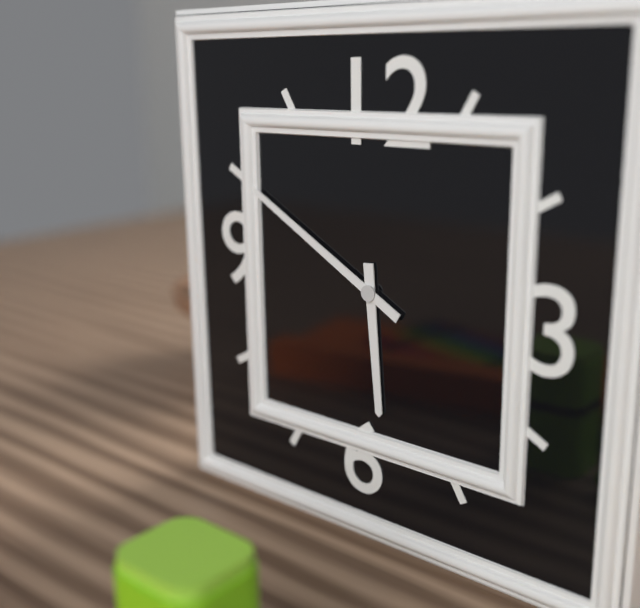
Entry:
5.50
